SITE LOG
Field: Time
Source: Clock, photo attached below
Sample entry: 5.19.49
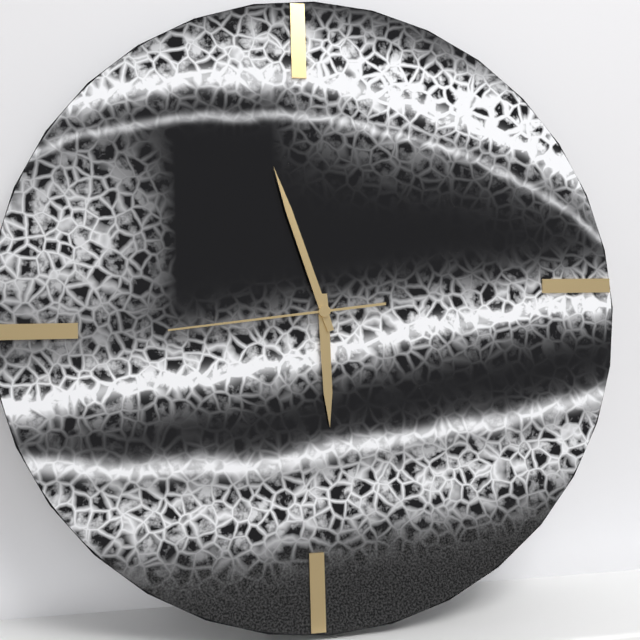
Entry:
5.57.44
